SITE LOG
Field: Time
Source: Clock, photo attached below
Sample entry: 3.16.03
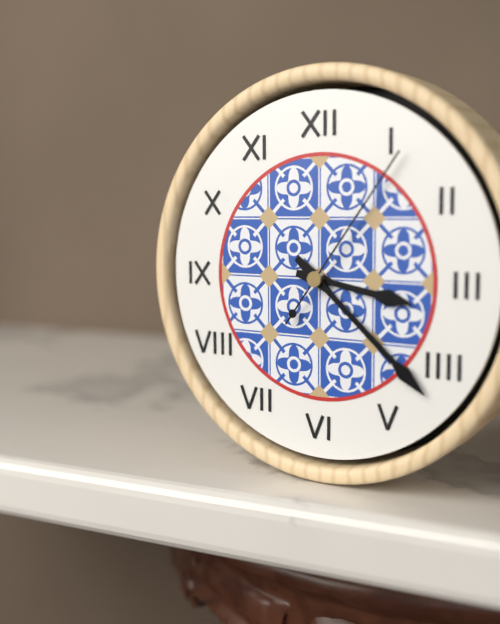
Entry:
3.22.06
